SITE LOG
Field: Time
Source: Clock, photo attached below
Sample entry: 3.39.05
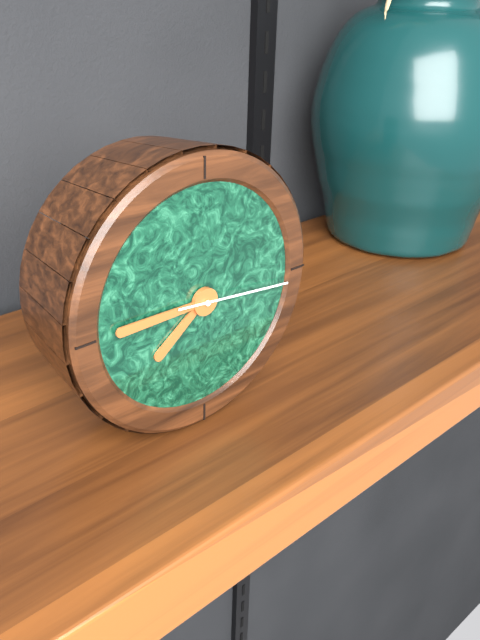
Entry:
7.45.16
